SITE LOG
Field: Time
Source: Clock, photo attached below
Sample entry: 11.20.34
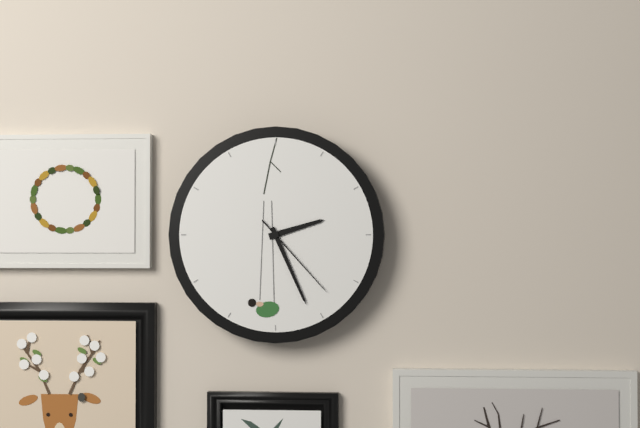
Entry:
2.26.23
